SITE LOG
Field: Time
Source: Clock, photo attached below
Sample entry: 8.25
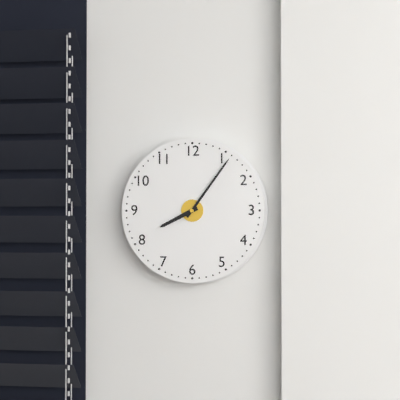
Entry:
8.06
